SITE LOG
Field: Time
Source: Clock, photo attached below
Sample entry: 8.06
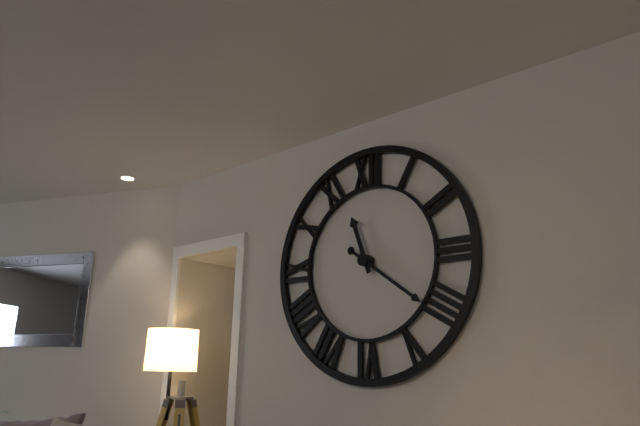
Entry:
11.21
